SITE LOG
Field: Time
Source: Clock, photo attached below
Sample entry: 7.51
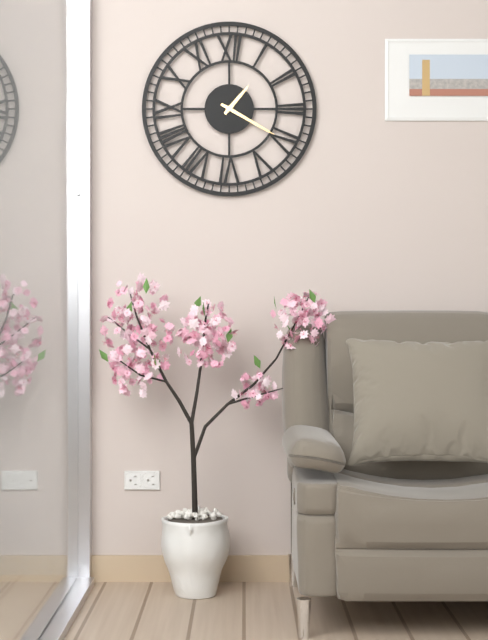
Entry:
1.20
